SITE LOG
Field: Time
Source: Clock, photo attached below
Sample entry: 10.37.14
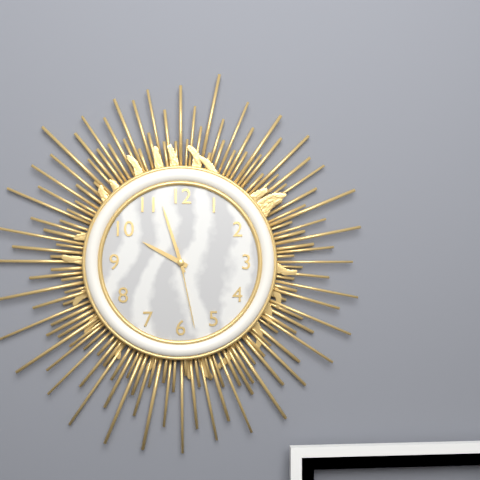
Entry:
9.57.28
